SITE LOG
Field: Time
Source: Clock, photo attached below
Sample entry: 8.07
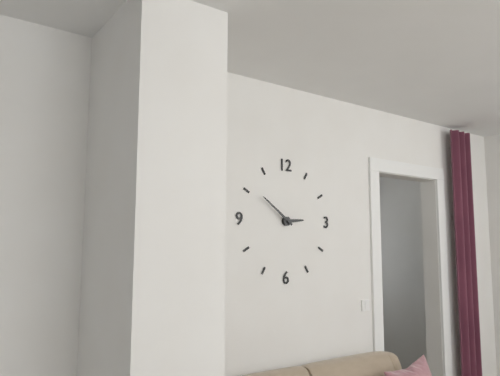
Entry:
2.51
